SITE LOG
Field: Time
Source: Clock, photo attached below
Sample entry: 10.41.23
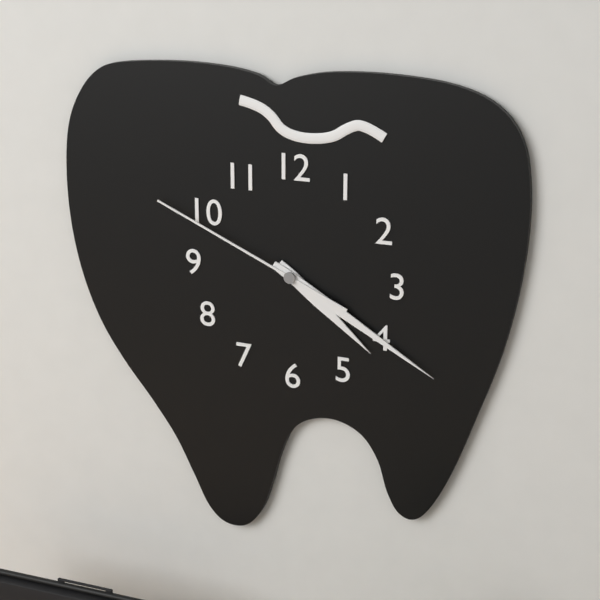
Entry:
4.20.49
